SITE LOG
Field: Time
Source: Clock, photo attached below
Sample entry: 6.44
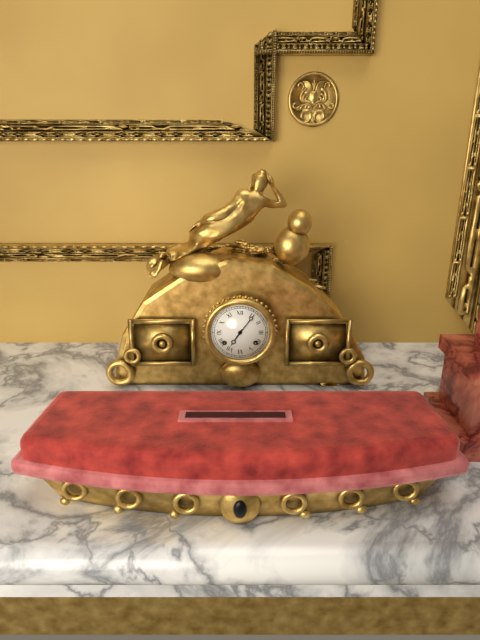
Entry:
7.06
